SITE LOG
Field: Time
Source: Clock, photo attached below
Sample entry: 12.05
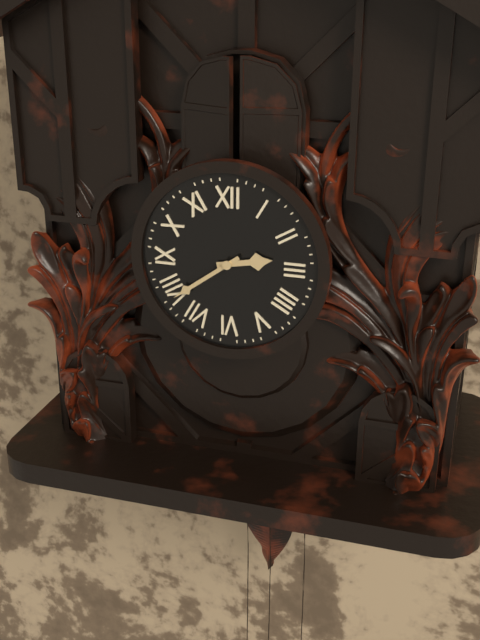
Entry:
2.39
